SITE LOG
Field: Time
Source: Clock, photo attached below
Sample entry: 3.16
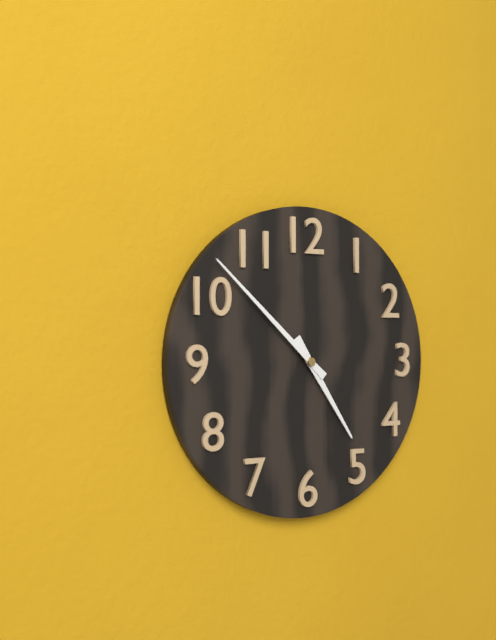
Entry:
4.52
